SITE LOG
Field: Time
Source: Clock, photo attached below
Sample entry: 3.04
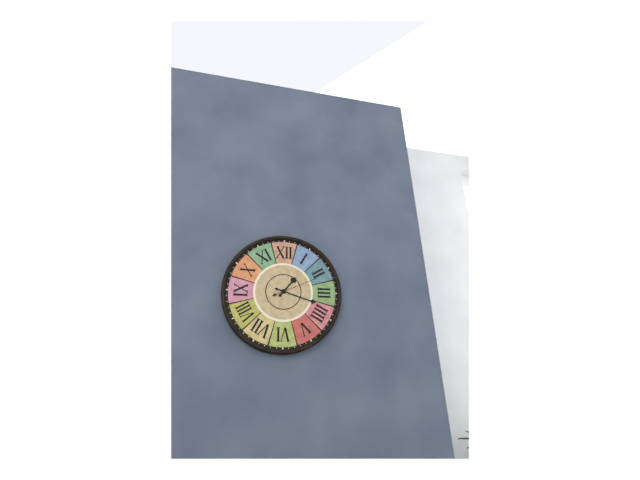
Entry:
1.18
